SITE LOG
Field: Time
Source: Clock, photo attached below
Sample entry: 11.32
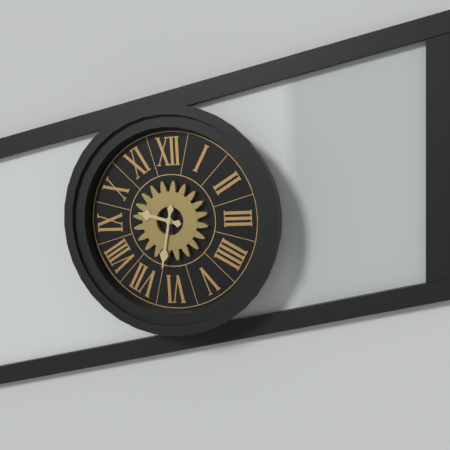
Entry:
9.32
